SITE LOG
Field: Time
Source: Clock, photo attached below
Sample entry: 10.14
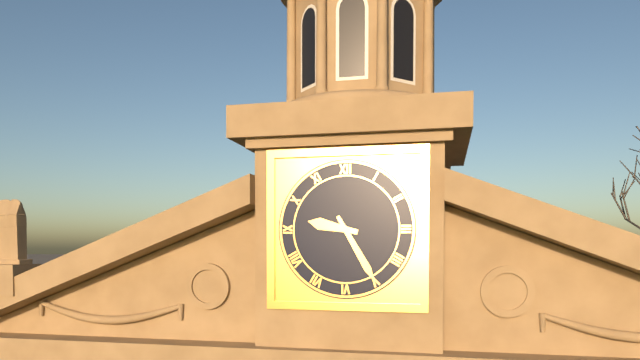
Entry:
9.25
